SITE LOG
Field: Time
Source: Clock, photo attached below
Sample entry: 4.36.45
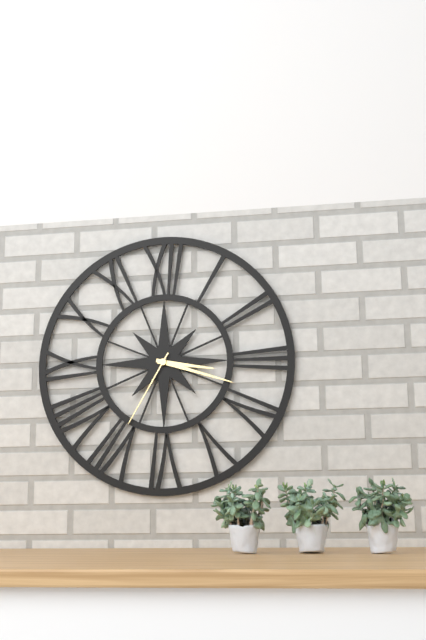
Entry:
3.18.35
